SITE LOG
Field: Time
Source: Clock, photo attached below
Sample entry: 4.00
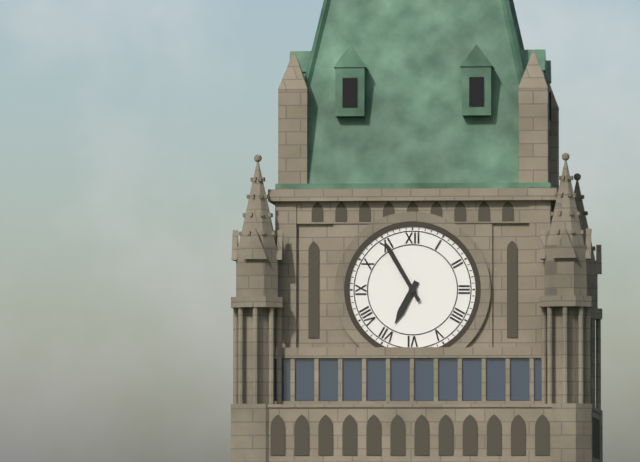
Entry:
6.55
